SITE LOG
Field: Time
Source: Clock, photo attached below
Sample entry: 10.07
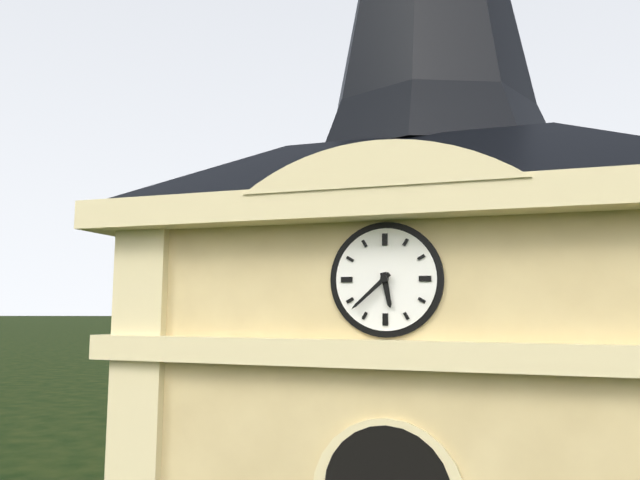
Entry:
5.38
